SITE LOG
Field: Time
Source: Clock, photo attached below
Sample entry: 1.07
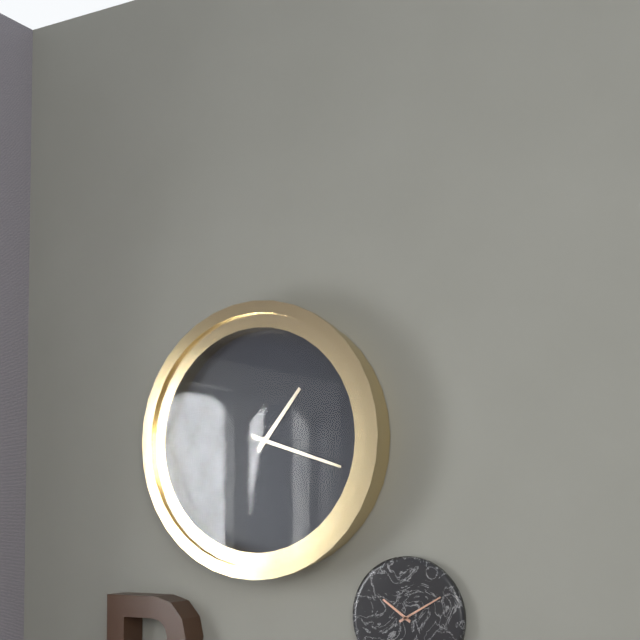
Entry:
1.18
